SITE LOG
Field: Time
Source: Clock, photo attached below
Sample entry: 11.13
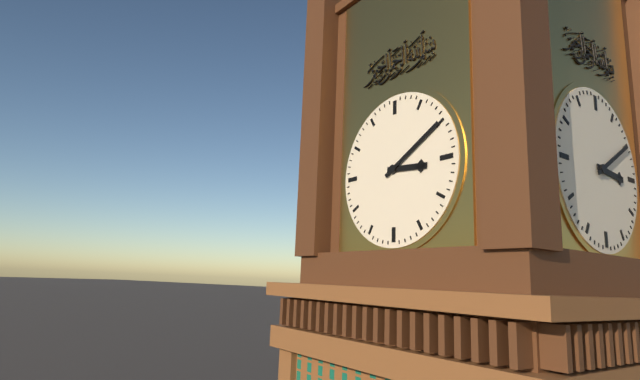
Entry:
3.10
